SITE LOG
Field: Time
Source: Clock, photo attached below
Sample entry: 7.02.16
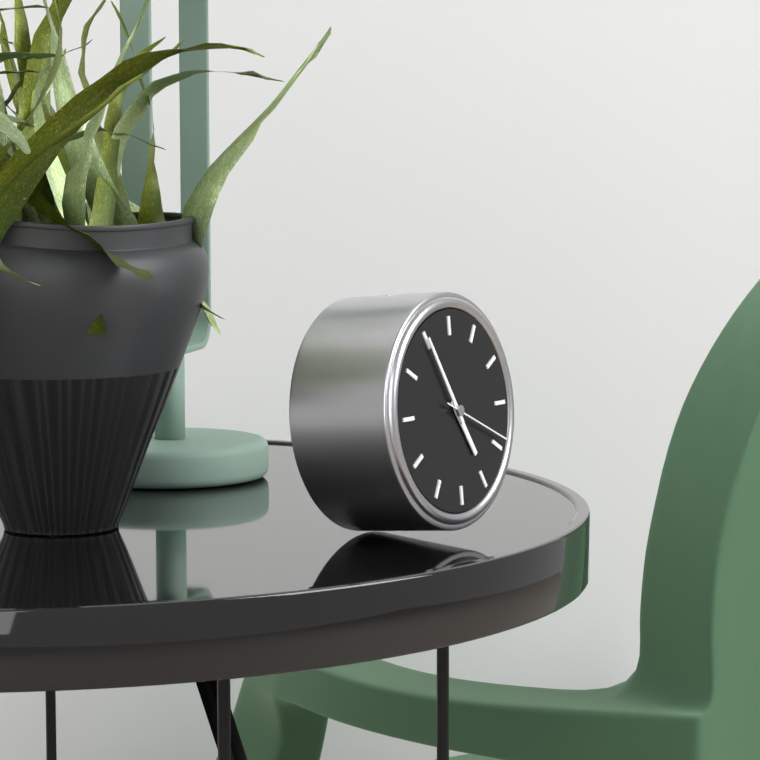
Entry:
4.55.19
